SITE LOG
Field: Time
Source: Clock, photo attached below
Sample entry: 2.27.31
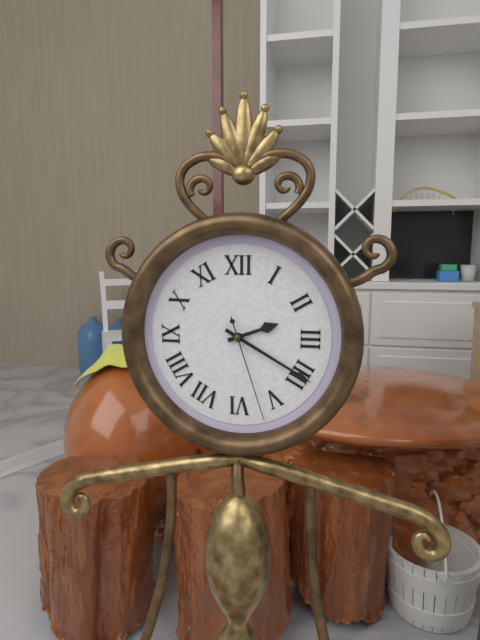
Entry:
2.20.27
